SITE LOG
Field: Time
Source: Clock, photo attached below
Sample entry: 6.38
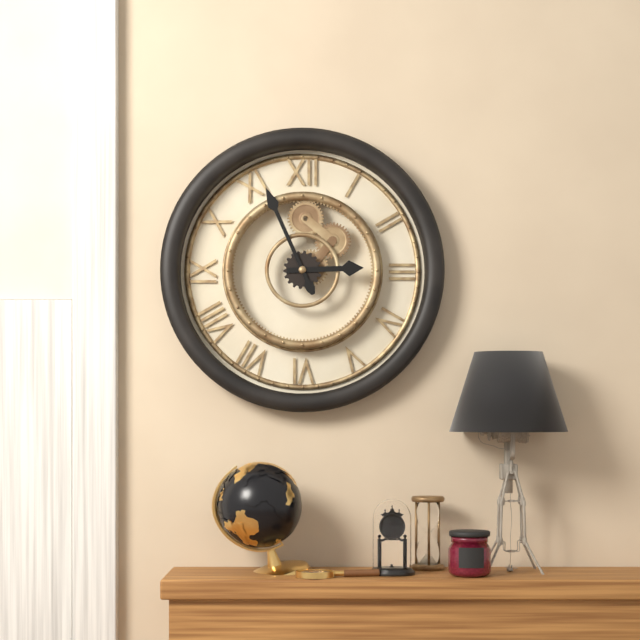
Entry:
2.56
